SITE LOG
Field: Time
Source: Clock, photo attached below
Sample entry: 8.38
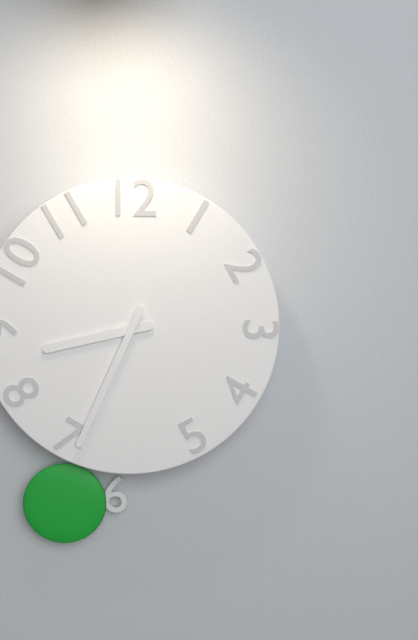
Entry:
8.34
